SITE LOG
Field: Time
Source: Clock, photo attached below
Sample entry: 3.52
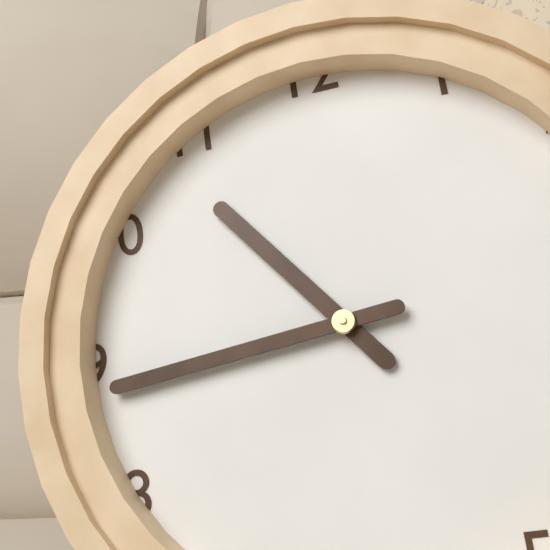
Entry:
10.44
